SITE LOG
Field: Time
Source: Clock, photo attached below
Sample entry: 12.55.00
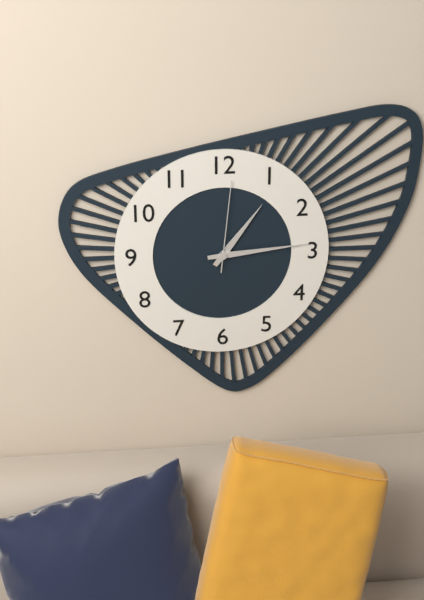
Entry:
1.14.01
